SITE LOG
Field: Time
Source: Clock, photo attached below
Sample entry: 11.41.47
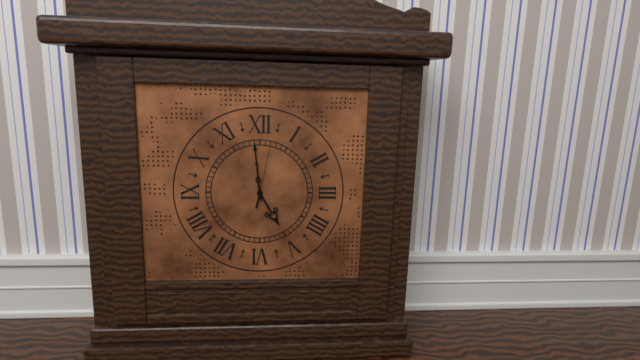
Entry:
4.59.02
